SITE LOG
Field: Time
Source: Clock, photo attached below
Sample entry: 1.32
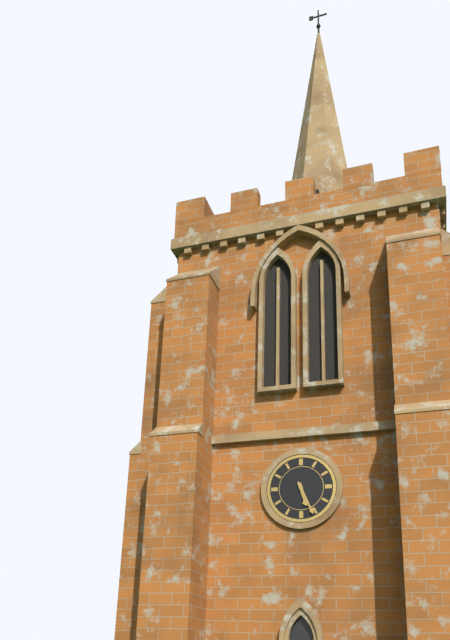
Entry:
5.26
